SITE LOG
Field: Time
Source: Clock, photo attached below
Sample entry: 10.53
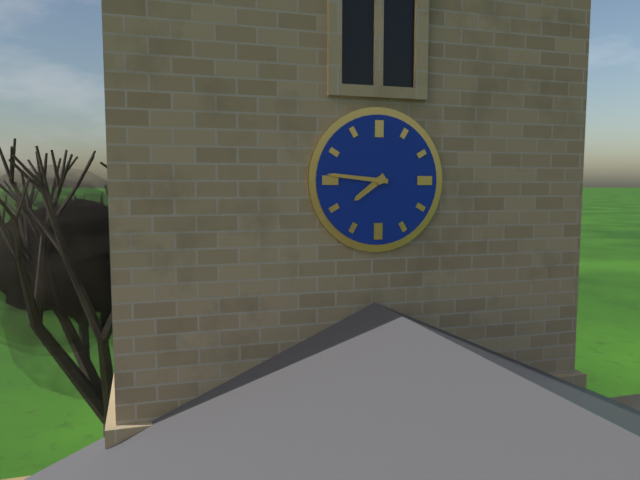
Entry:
7.46
